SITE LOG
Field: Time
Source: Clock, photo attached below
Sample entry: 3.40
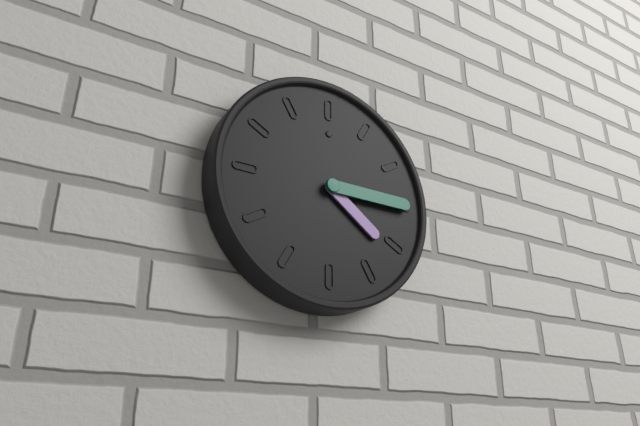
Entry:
4.15
